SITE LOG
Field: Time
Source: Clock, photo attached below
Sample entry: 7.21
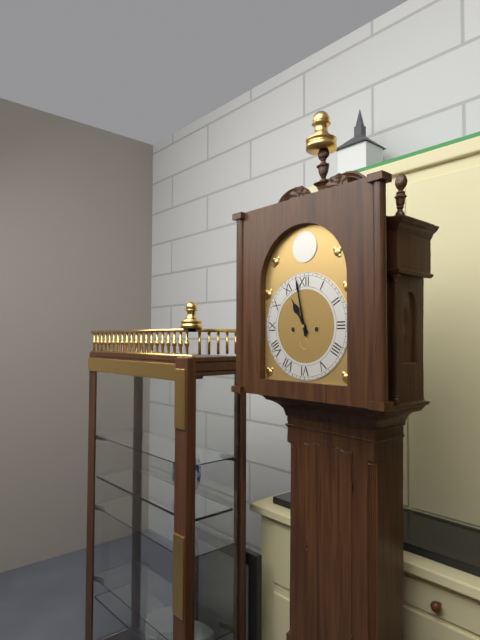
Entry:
10.58
